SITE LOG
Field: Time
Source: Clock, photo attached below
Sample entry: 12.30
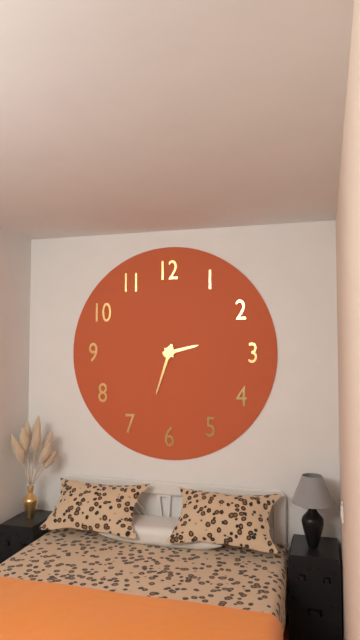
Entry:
2.33
